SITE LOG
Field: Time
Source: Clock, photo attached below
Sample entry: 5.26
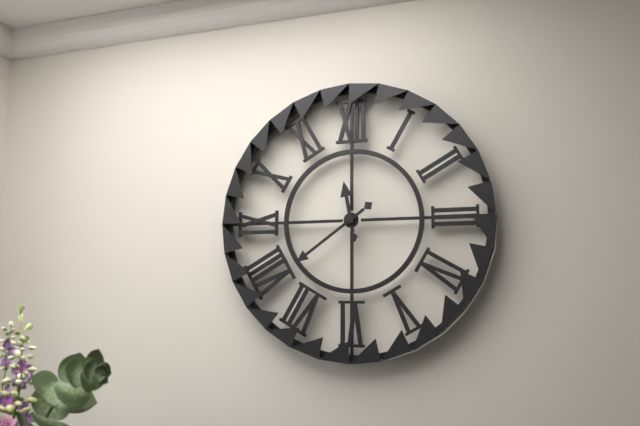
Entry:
11.39
